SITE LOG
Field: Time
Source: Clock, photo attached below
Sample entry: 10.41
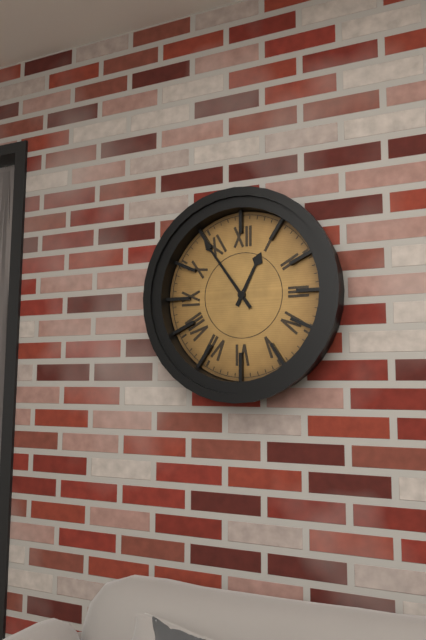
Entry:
12.54
